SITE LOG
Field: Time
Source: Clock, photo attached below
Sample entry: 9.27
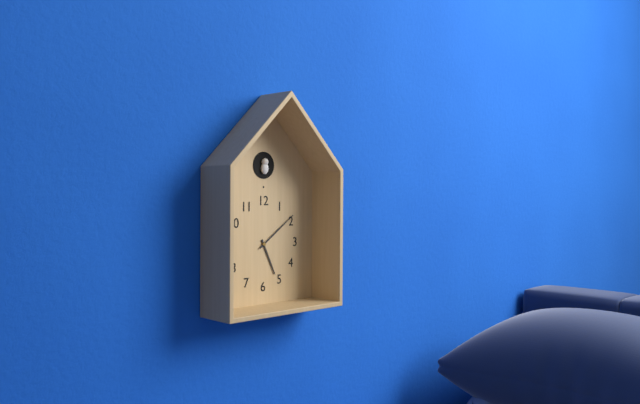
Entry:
5.09
